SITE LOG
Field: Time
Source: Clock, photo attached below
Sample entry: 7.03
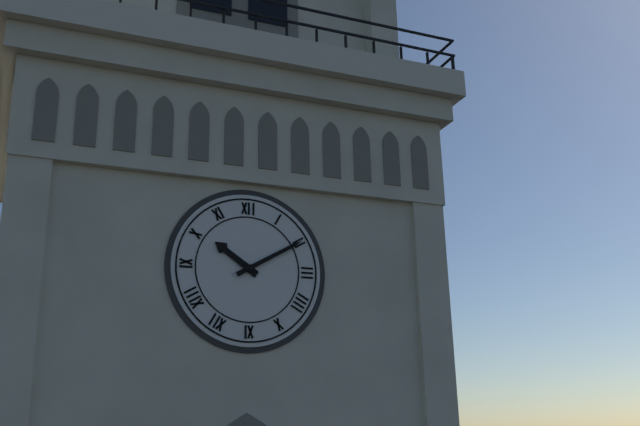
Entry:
10.10
